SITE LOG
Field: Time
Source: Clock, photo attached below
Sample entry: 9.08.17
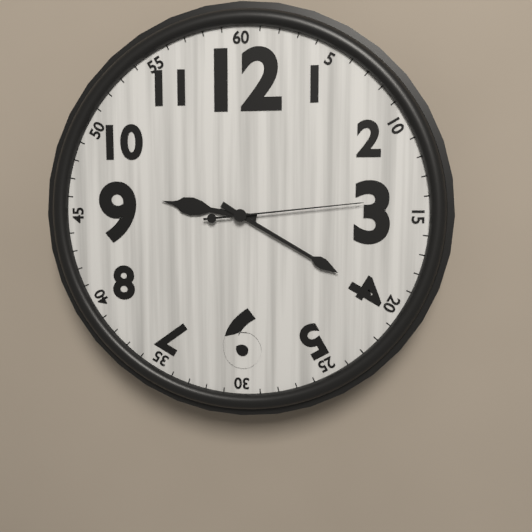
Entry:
9.20.14
